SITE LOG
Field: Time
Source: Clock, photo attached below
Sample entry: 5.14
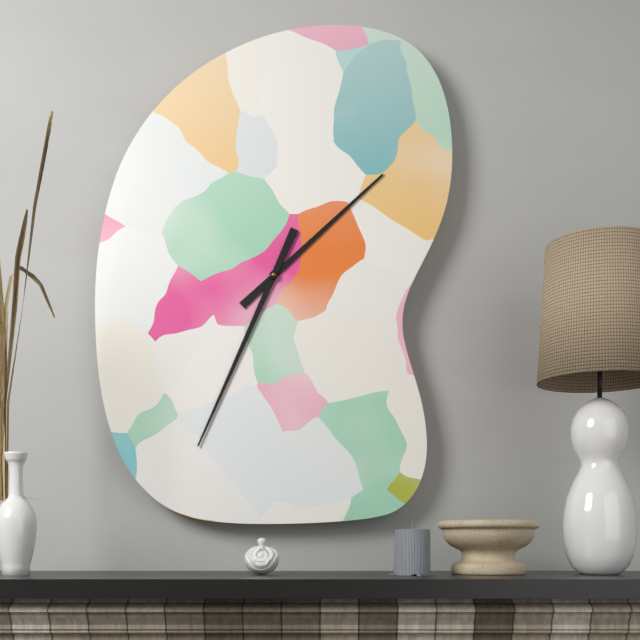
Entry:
1.34
